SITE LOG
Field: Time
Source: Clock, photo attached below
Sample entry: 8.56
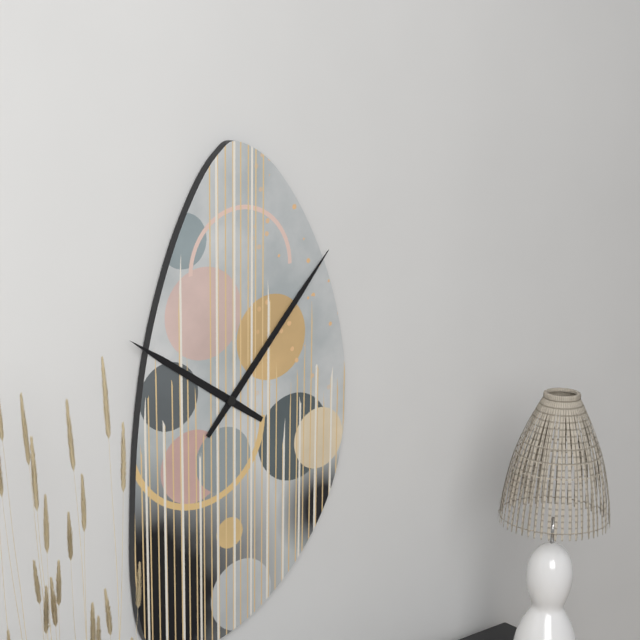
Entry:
10.07
